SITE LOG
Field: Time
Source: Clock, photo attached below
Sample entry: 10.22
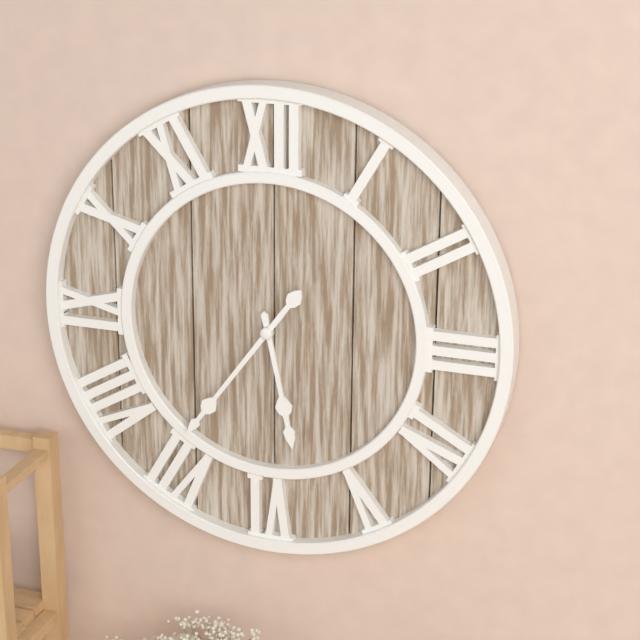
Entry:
5.36
